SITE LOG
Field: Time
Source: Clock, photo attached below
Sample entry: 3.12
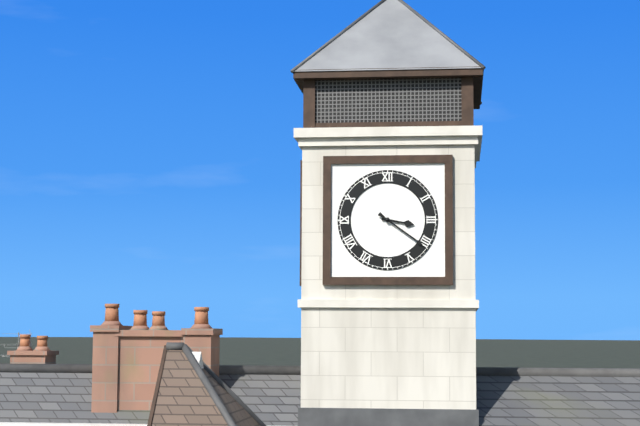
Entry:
3.21
